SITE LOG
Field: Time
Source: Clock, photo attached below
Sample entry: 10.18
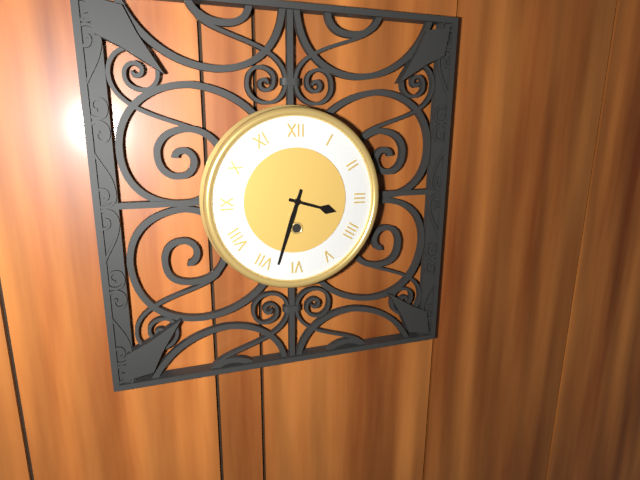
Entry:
3.33
